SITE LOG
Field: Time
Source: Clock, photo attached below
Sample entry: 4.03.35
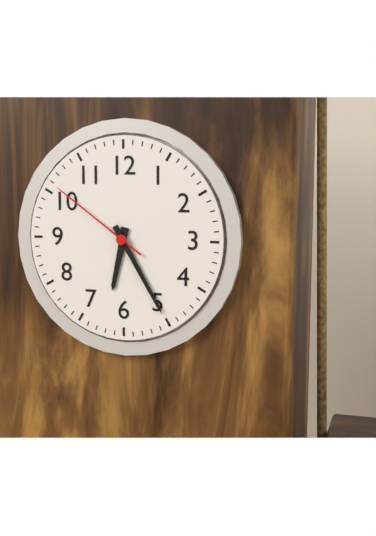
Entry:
6.25.51
